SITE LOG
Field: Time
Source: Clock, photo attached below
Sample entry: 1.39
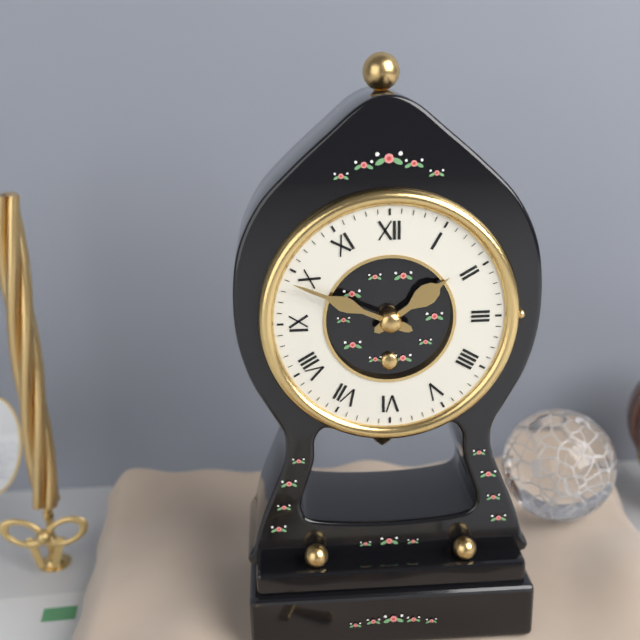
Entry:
1.49
